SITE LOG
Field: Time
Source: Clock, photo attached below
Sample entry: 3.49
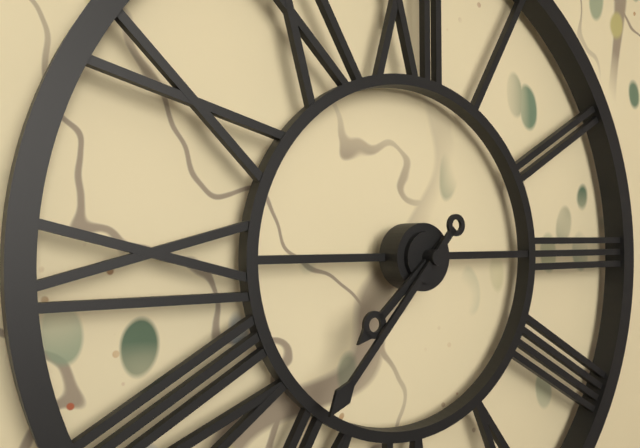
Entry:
7.37
